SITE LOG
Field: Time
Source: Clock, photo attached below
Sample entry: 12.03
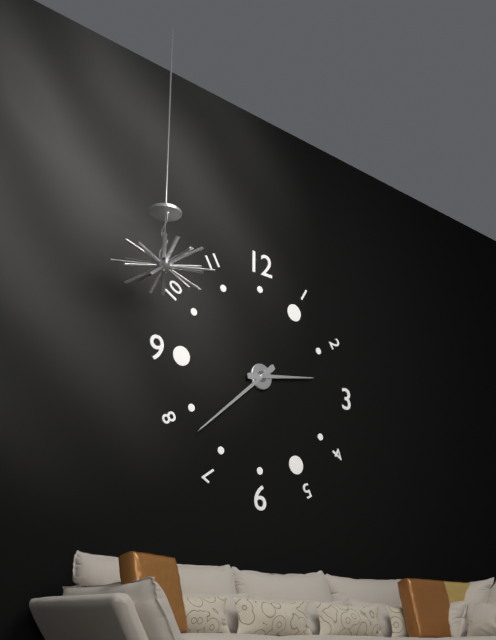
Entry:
2.38
